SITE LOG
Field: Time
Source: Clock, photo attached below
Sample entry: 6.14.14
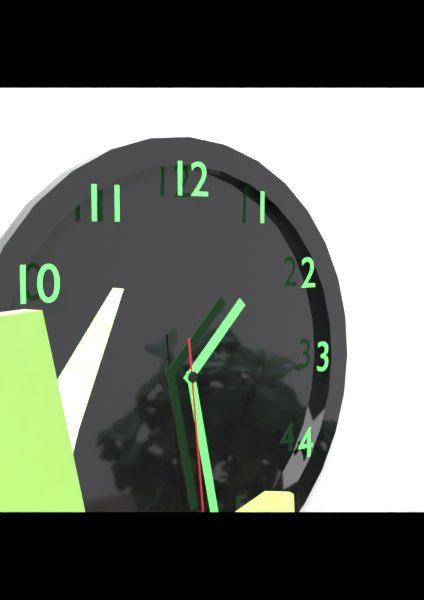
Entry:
1.28.29
